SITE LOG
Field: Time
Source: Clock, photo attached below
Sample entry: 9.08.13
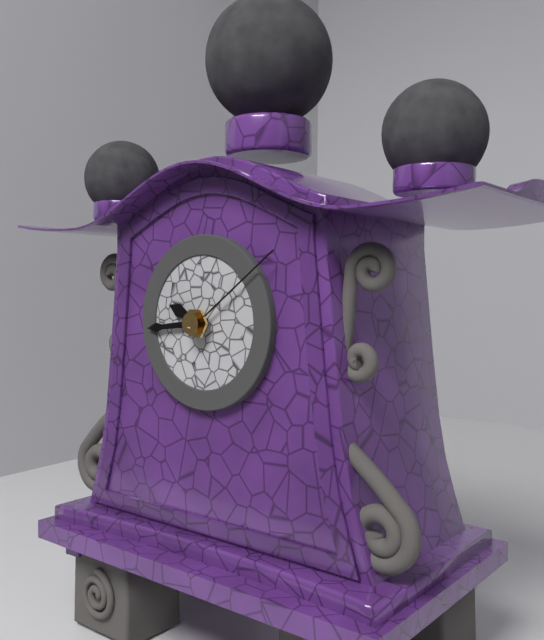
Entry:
9.44.09
